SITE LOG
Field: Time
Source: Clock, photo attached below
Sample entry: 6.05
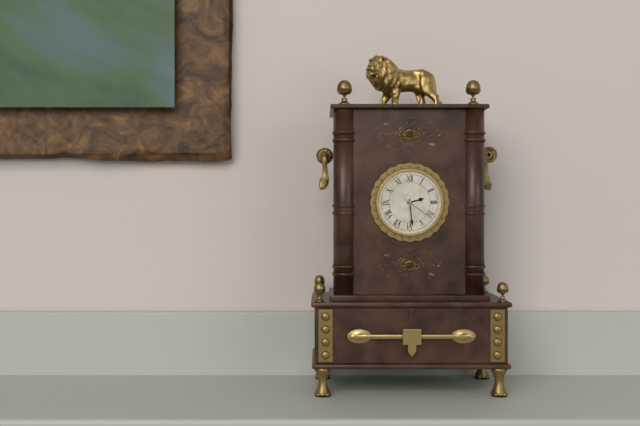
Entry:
2.29
